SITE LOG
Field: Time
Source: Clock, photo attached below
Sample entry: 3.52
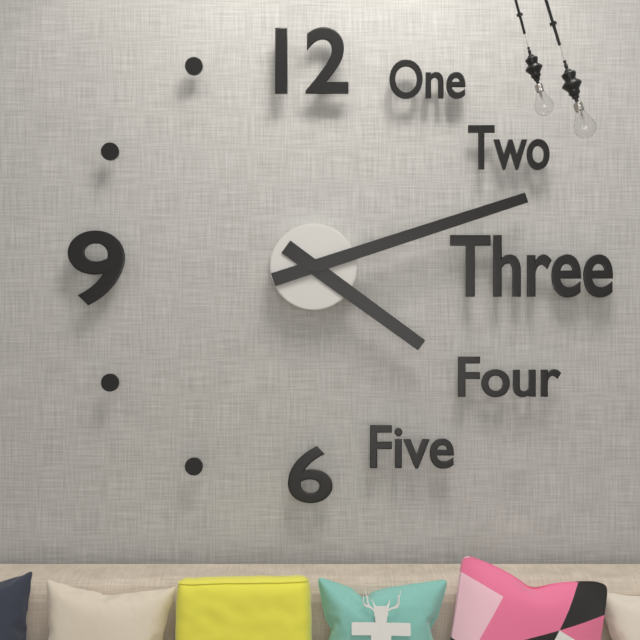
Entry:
4.12
